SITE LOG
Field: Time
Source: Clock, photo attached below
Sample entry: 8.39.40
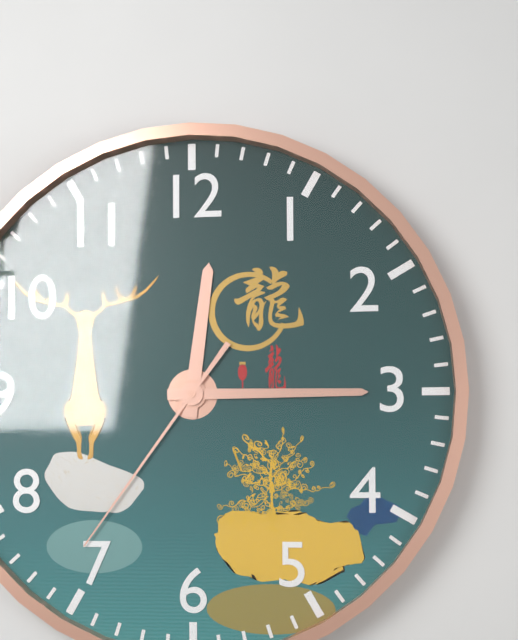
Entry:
12.15.36
